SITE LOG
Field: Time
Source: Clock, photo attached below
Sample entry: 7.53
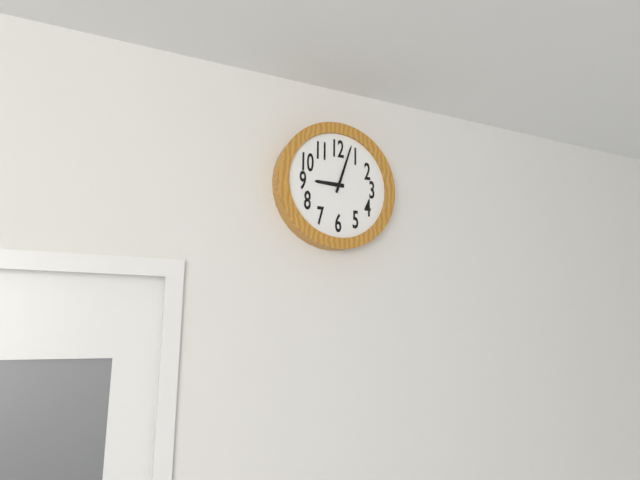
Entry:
9.03
